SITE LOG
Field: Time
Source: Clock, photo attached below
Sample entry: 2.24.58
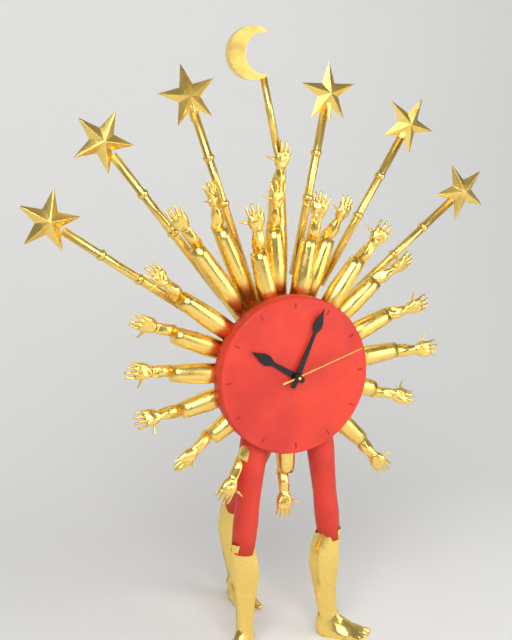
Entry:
10.04.12
